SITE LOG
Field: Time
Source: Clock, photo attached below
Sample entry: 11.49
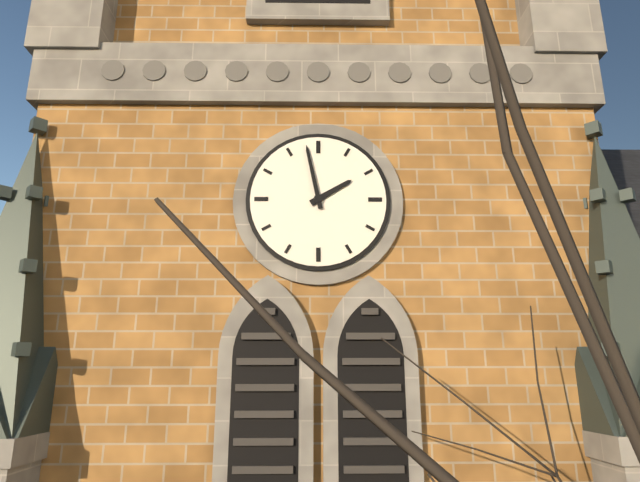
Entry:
1.58
